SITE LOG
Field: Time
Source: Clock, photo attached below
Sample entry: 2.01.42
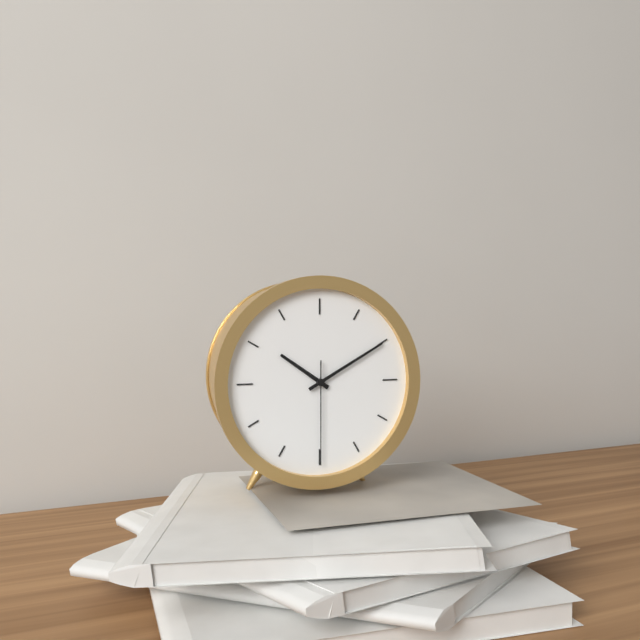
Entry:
10.10.30
